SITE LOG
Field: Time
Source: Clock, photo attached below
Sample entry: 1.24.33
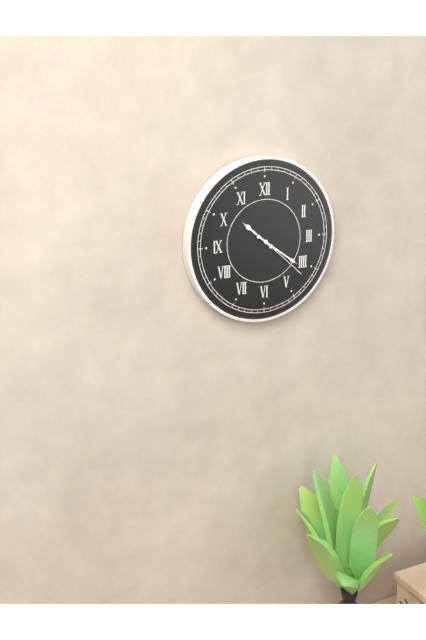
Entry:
10.21.22
